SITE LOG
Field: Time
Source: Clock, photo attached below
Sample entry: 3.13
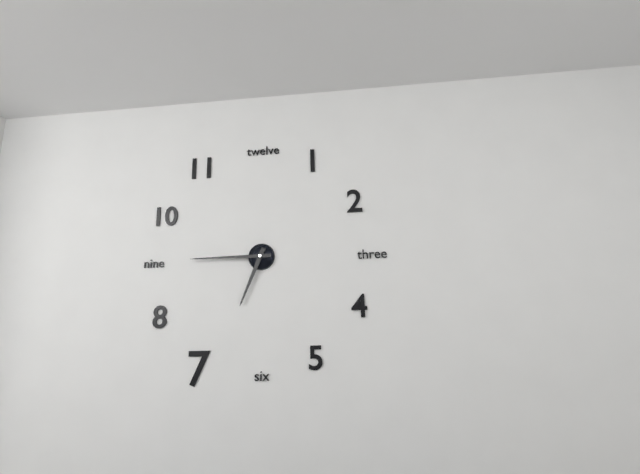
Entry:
6.45
